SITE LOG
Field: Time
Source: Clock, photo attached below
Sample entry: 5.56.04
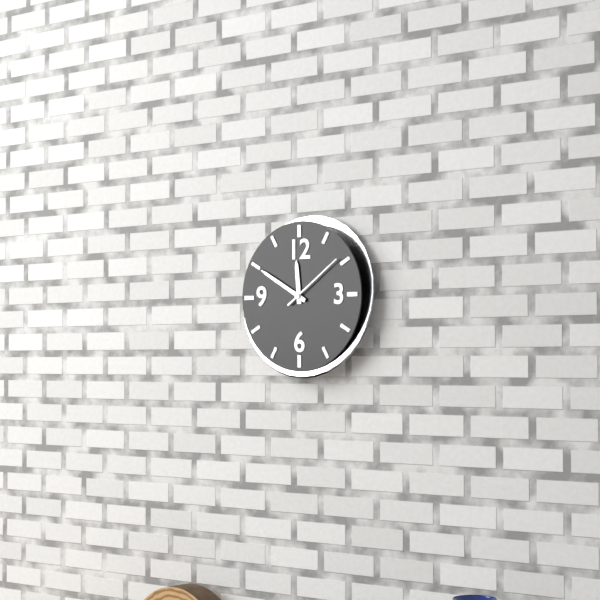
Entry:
11.50.09
